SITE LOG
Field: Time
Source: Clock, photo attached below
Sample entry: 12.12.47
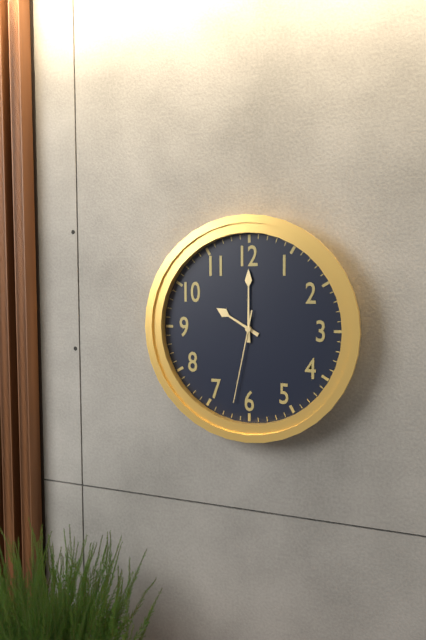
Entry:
10.00.32
